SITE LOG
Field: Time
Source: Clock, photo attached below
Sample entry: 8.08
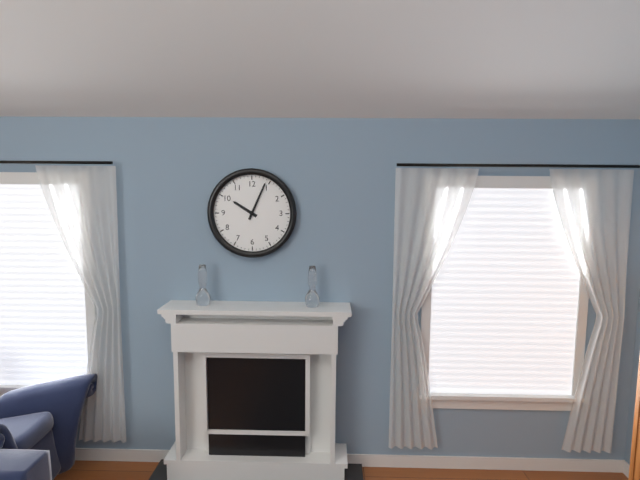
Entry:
10.04
